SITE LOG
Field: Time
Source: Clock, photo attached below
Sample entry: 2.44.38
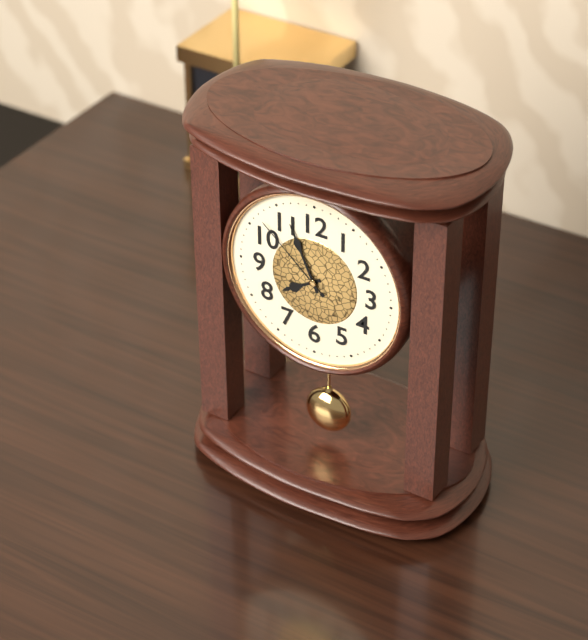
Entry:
7.56.52
